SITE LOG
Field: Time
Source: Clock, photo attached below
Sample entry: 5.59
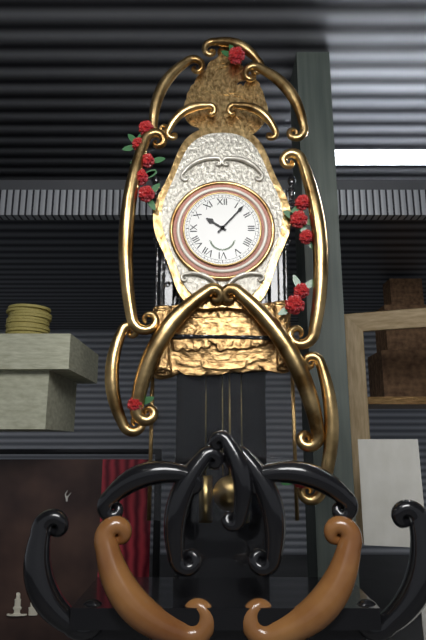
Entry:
10.07
